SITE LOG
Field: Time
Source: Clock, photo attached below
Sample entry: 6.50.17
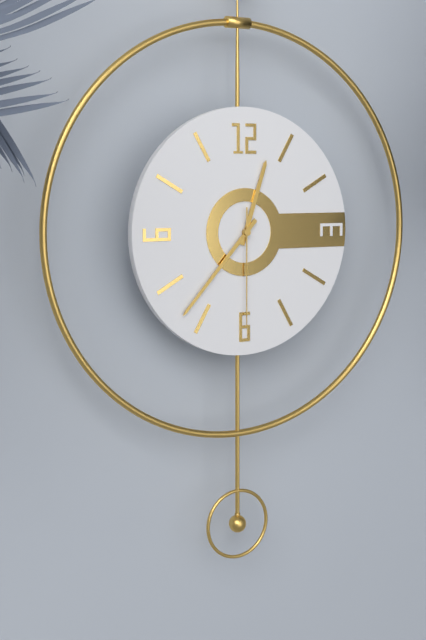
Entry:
12.37.30
